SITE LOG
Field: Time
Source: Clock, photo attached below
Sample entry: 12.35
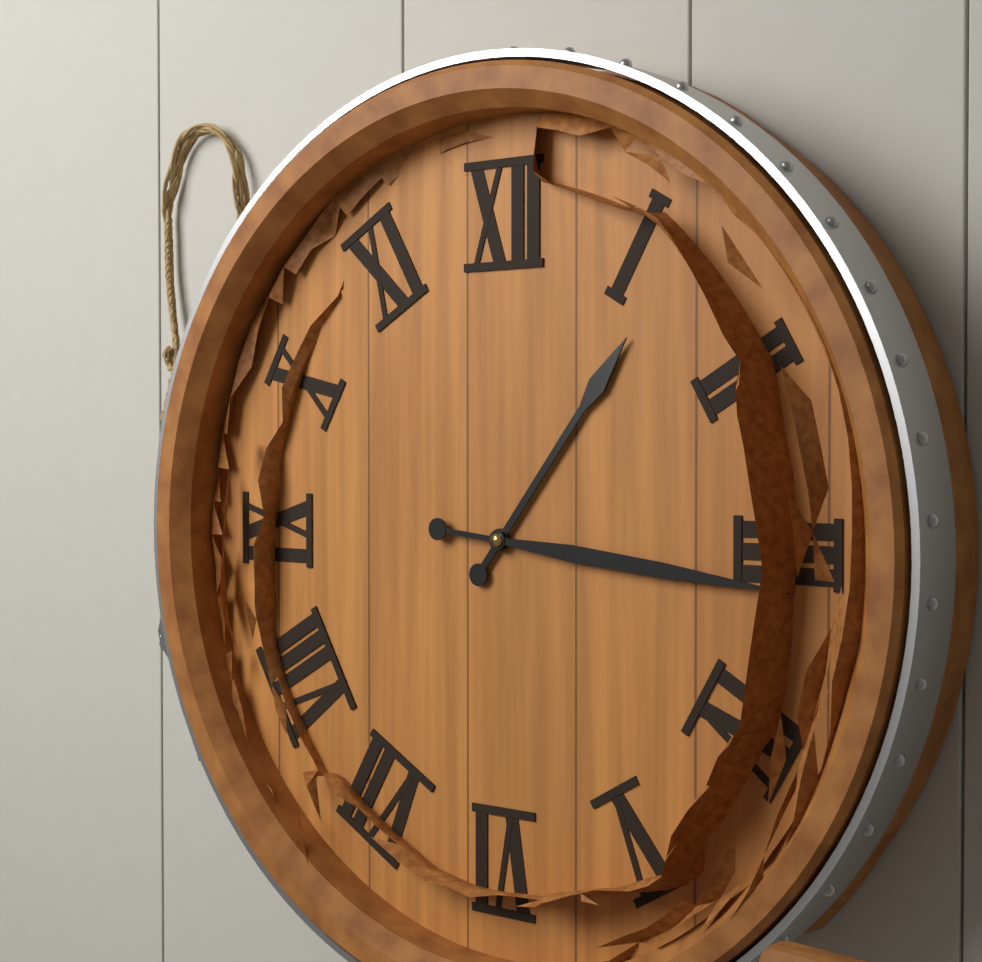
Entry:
1.16
